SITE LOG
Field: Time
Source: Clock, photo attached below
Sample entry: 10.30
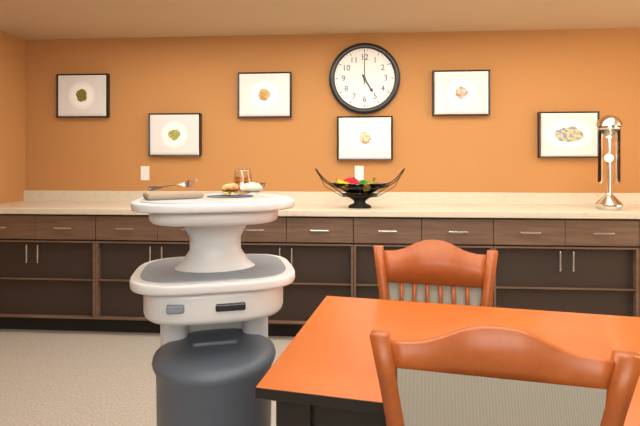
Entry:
5.00
